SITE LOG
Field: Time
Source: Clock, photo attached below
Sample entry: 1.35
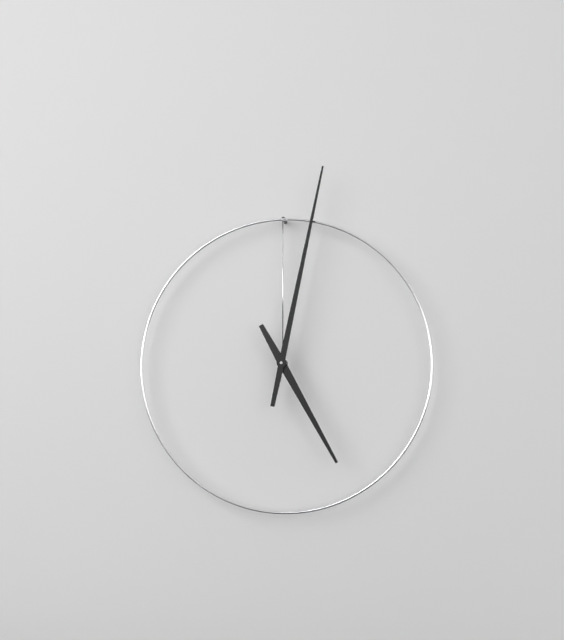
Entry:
5.02
